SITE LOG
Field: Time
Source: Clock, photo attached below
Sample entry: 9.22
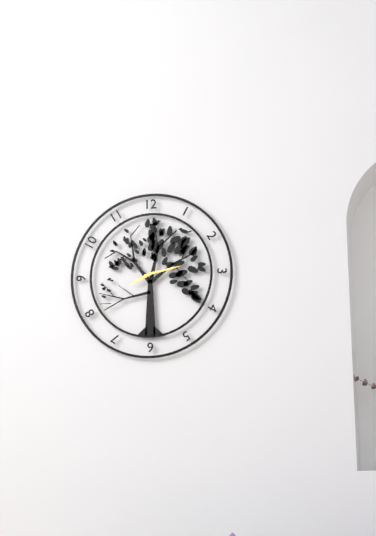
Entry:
8.13
